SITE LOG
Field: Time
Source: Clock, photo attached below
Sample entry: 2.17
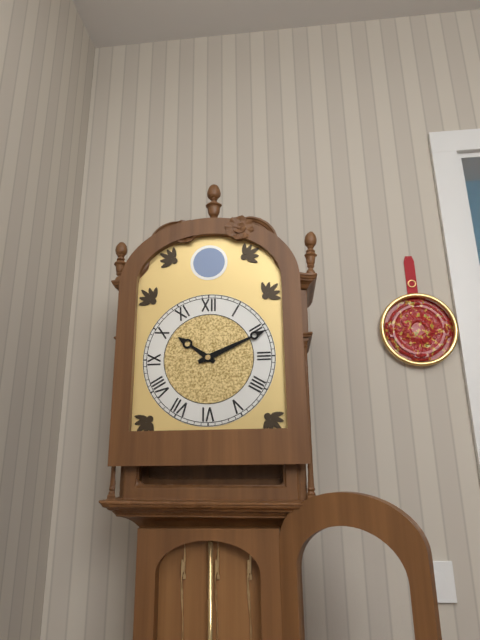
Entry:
10.11
